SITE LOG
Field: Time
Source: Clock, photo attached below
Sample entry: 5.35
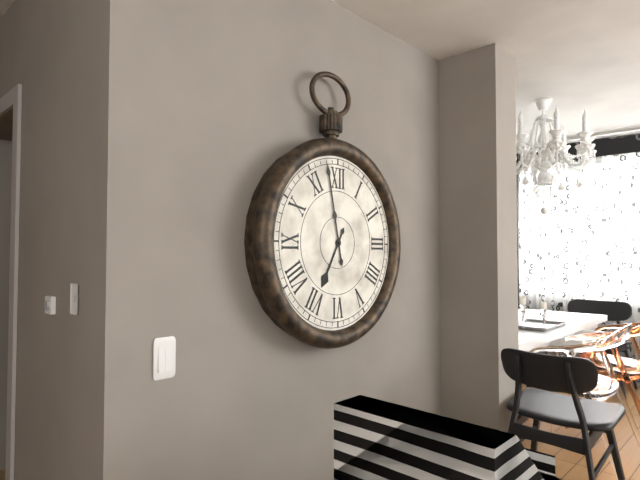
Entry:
6.58
